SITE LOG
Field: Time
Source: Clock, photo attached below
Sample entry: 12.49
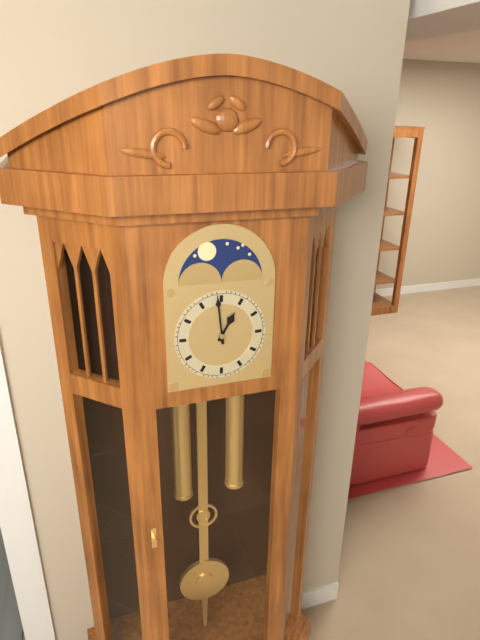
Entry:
12.59
